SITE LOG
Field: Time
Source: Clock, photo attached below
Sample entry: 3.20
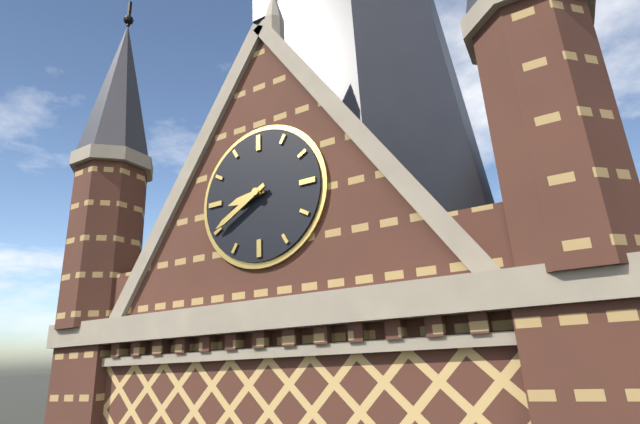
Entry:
8.40
